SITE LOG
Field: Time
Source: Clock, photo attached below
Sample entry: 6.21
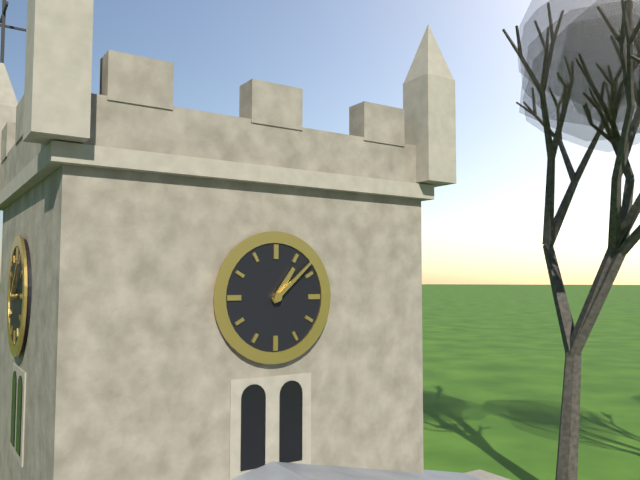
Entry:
1.08
